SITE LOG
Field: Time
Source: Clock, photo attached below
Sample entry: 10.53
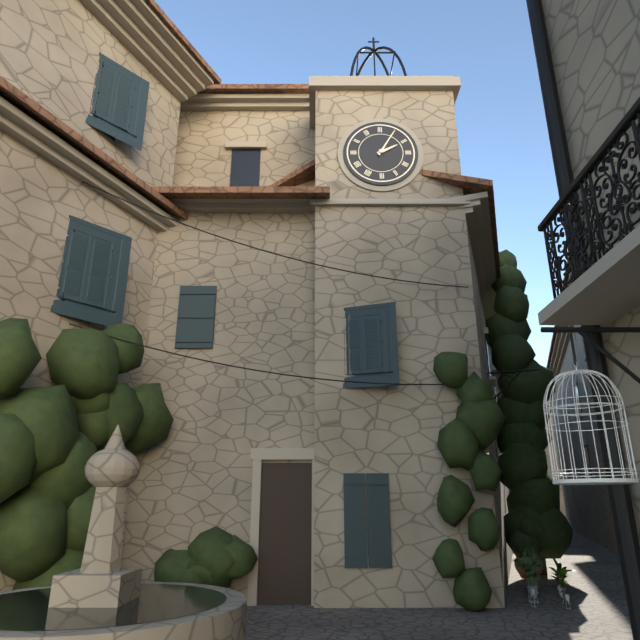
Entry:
2.05
